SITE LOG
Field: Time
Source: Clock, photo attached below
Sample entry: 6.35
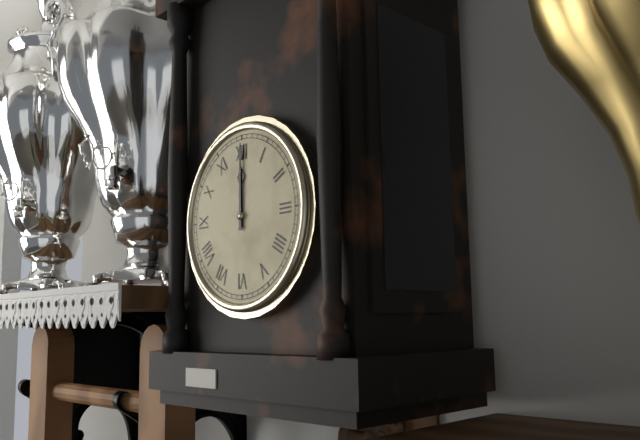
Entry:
12.00
